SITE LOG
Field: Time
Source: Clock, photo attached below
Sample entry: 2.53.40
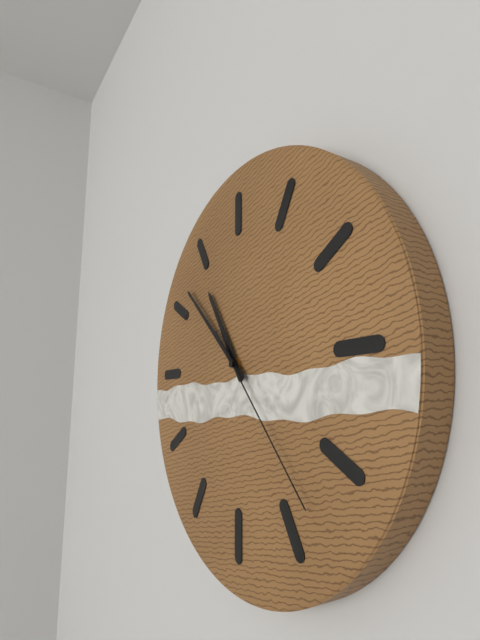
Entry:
10.52.23
